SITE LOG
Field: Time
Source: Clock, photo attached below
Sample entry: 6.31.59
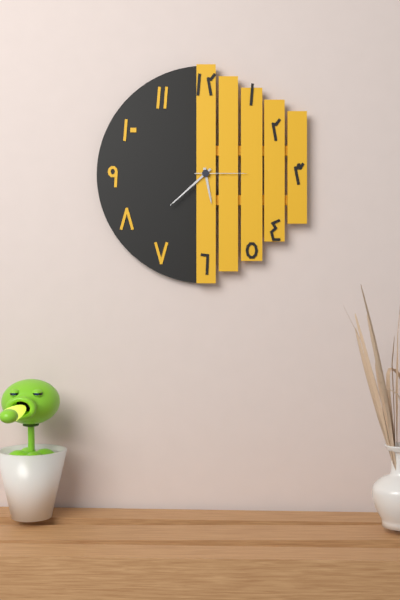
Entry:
5.38.15
